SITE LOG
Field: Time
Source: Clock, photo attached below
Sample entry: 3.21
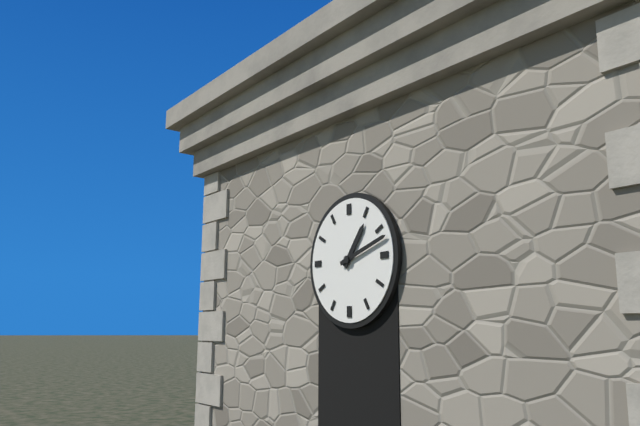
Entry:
1.12
